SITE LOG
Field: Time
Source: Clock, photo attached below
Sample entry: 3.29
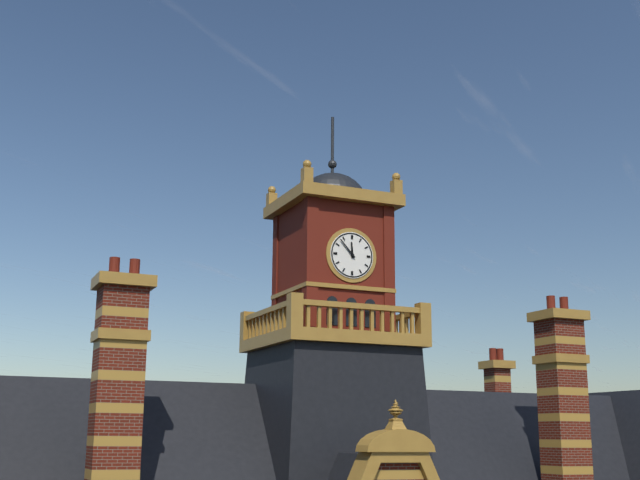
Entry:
11.53
